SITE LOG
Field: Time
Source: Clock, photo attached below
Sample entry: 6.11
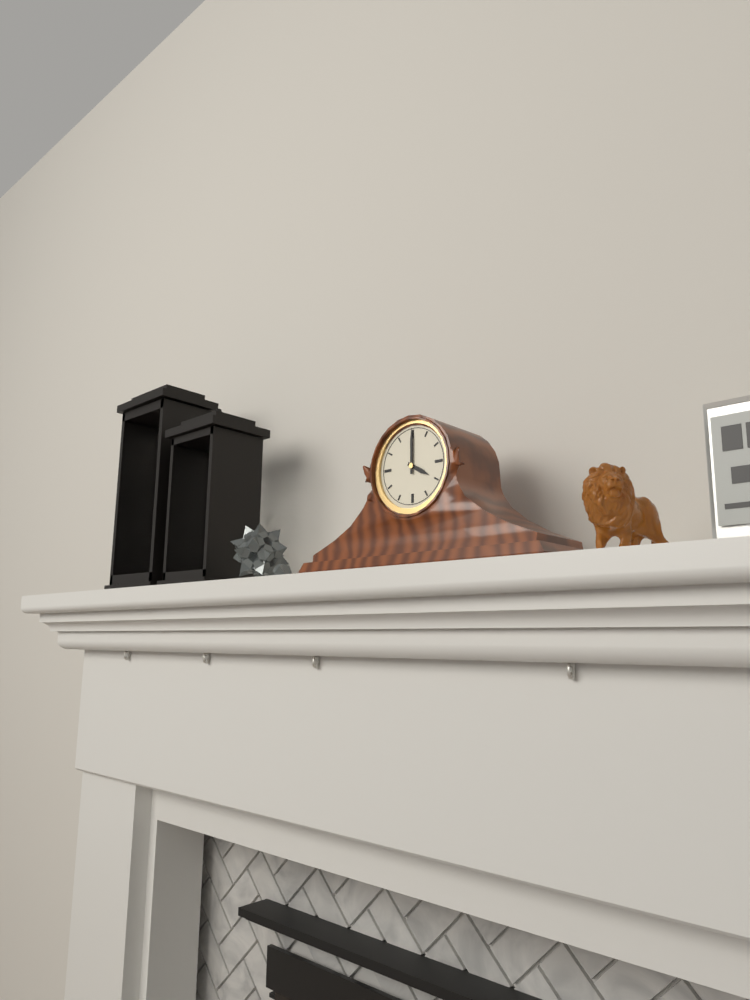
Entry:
4.00
